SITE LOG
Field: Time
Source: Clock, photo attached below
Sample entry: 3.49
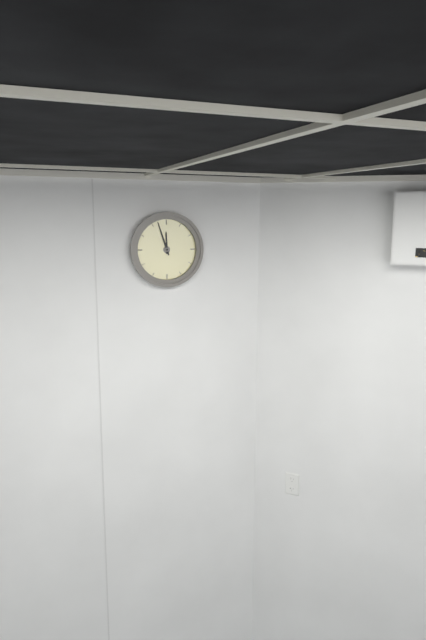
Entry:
11.57
